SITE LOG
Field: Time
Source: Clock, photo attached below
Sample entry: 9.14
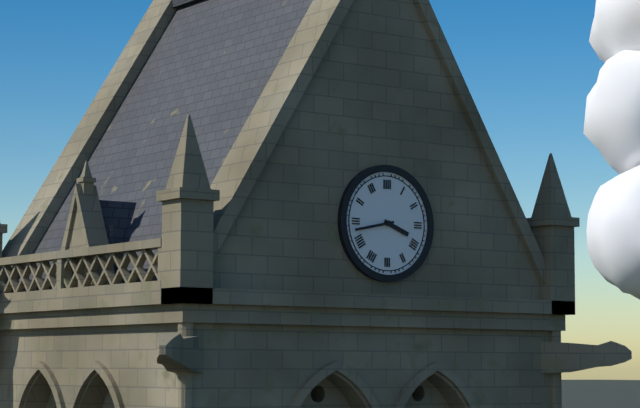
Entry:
3.43
